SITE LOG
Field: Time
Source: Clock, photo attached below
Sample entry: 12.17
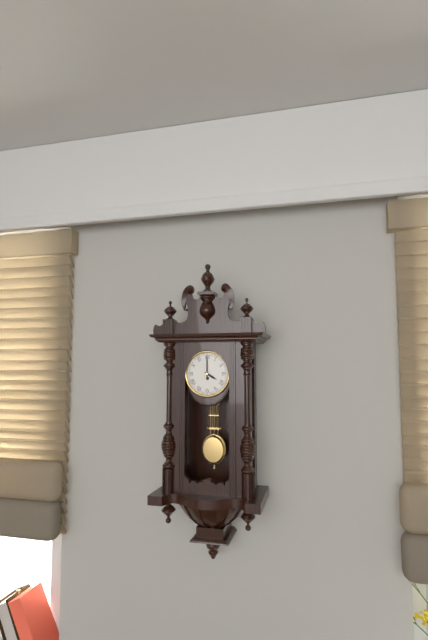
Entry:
4.00
